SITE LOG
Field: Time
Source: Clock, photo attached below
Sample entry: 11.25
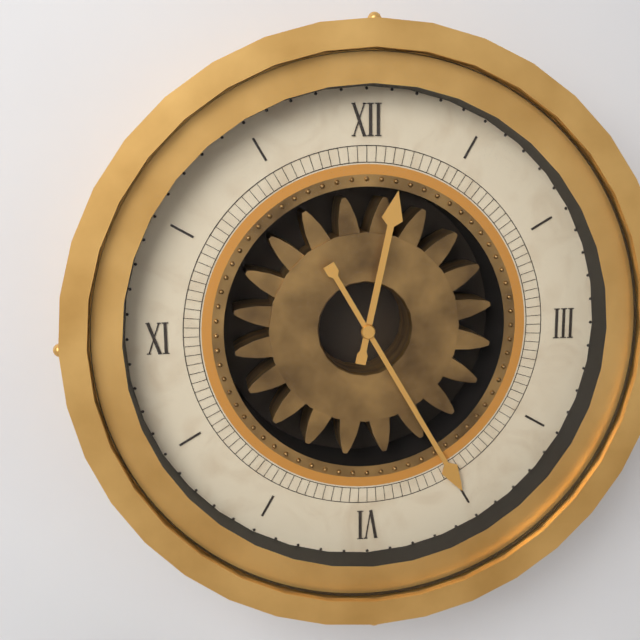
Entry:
12.25
